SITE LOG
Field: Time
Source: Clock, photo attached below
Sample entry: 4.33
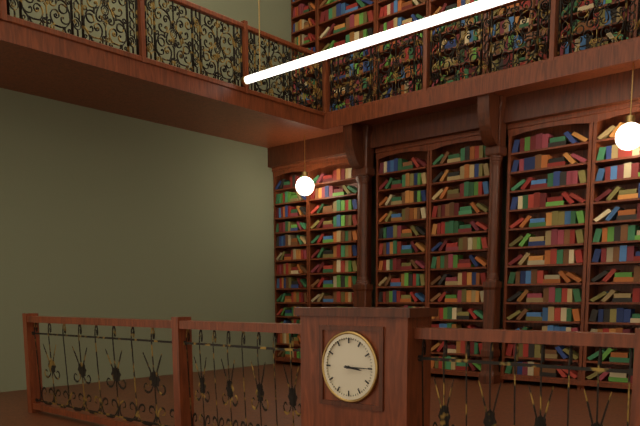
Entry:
3.15
